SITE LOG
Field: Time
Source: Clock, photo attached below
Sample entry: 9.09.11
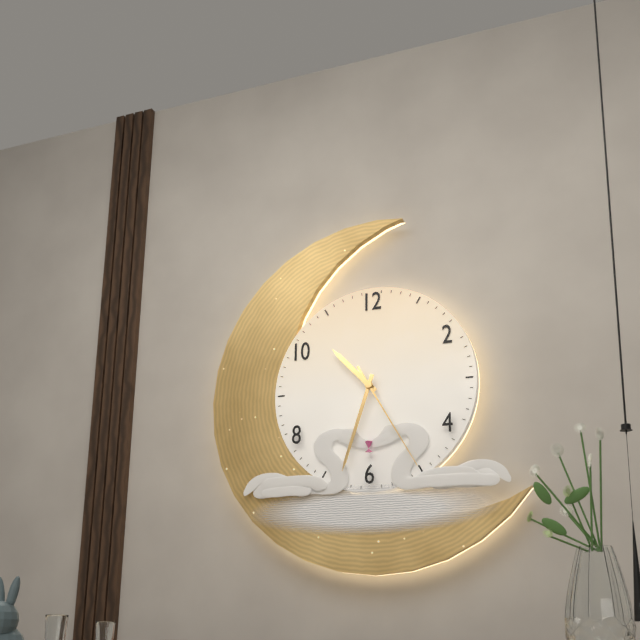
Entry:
10.33.25
